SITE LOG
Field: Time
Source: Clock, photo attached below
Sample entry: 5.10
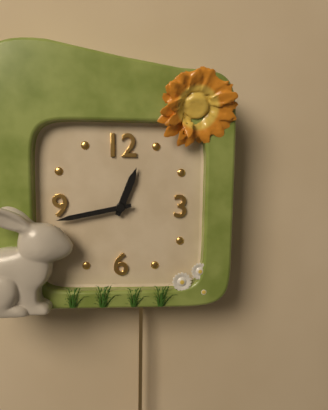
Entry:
12.43
